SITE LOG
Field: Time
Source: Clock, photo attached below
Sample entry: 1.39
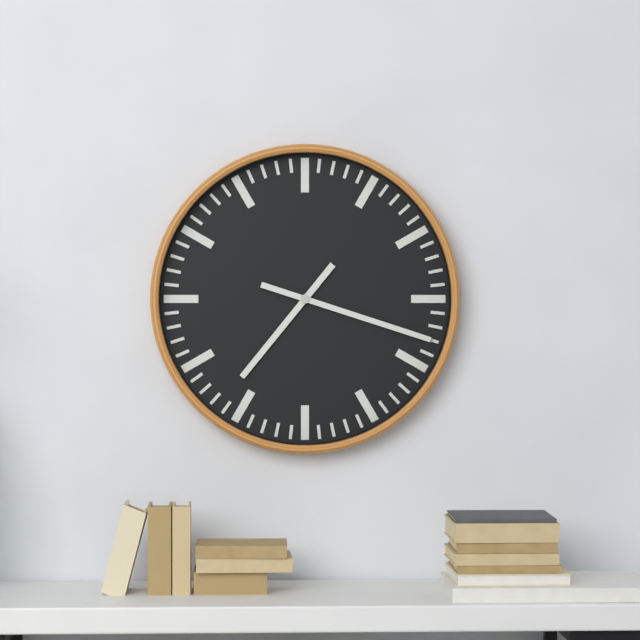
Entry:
7.18
